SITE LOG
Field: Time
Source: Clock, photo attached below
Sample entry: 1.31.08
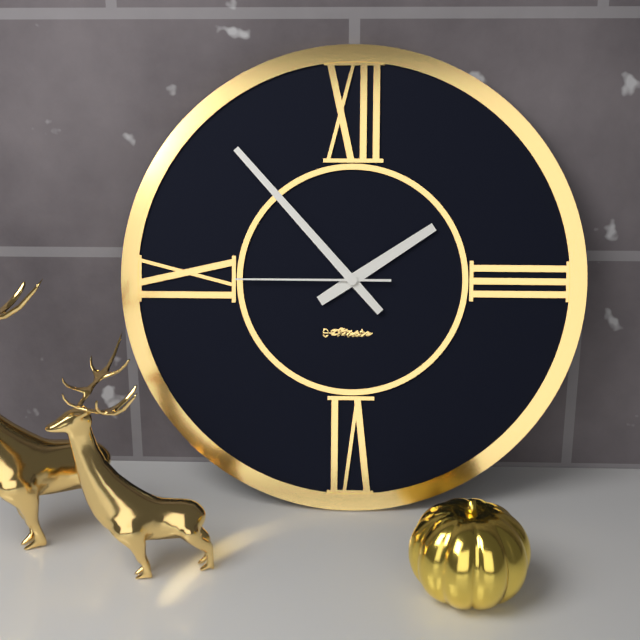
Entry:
1.53.45
